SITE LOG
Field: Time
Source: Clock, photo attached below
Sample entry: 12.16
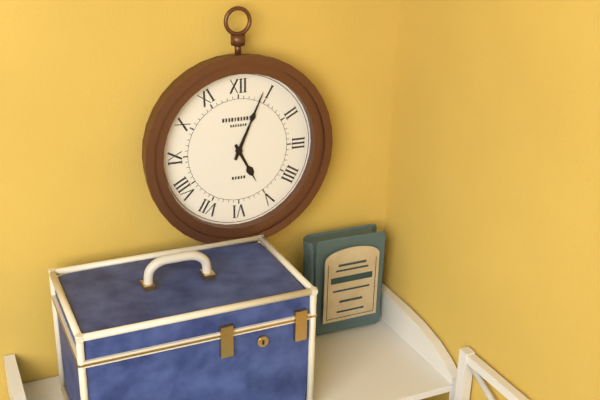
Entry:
5.04
